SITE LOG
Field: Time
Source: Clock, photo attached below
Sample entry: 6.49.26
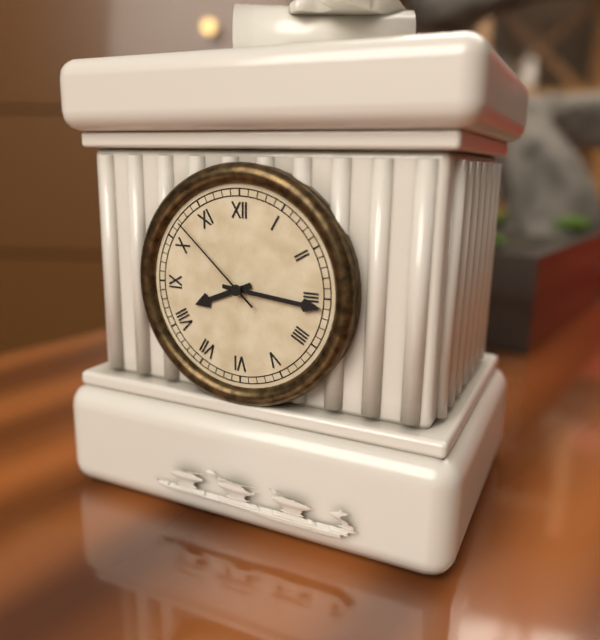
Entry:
8.16.52
